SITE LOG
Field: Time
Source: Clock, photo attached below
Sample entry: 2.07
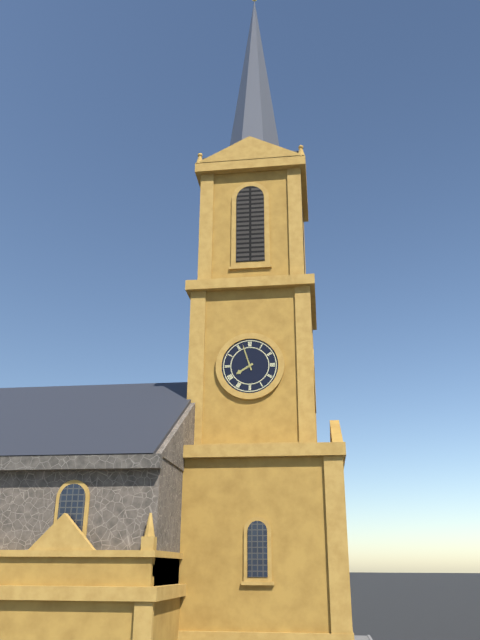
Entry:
7.57
